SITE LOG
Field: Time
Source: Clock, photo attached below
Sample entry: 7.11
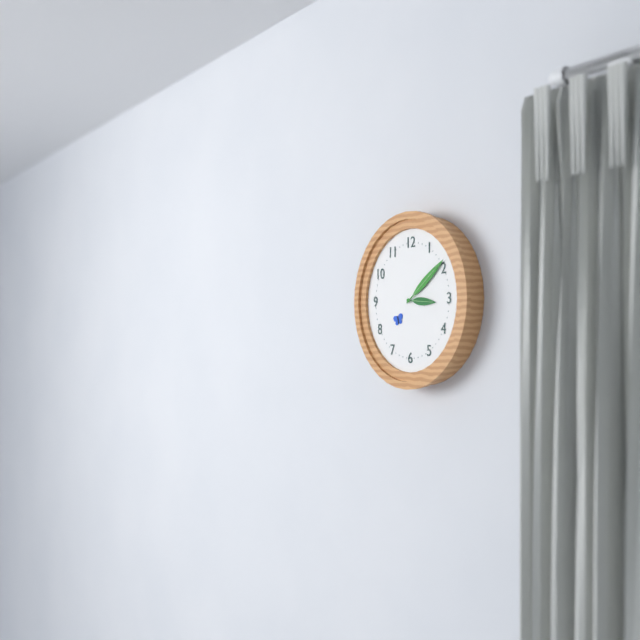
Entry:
3.09
